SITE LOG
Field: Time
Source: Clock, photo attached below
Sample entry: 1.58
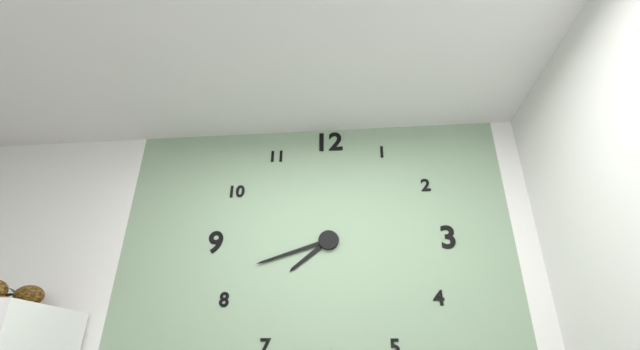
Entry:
7.42
